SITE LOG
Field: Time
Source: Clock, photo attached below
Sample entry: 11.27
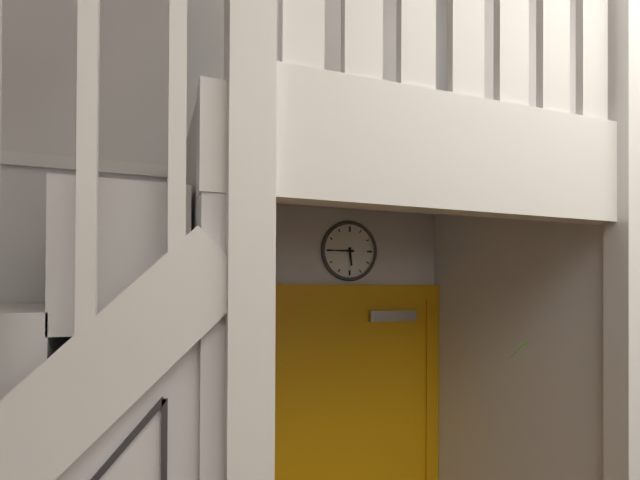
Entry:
5.45
